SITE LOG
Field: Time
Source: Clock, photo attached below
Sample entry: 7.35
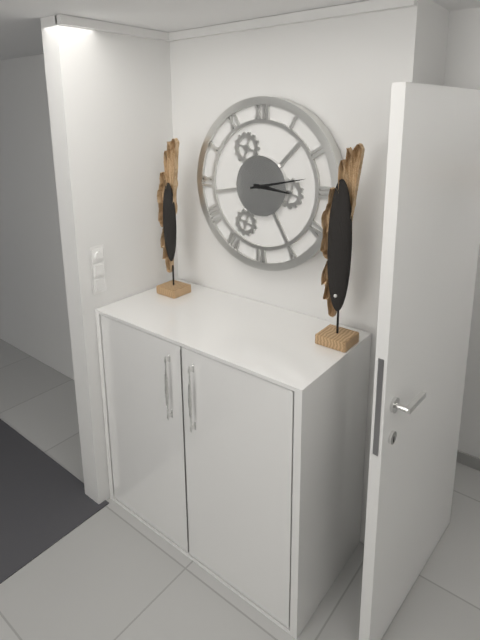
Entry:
3.13
